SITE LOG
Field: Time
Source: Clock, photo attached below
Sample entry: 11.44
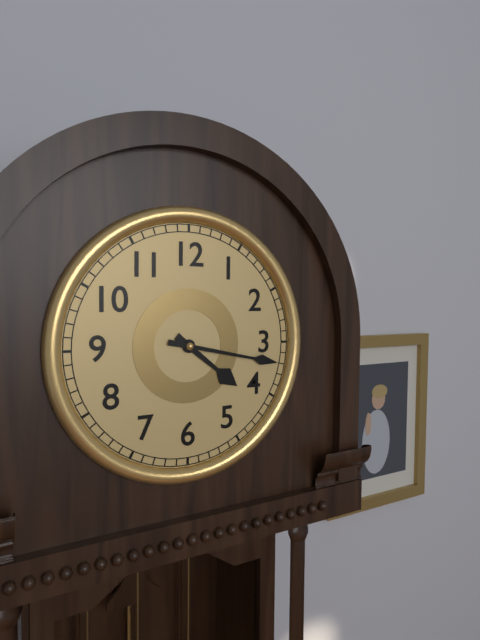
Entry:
4.17
